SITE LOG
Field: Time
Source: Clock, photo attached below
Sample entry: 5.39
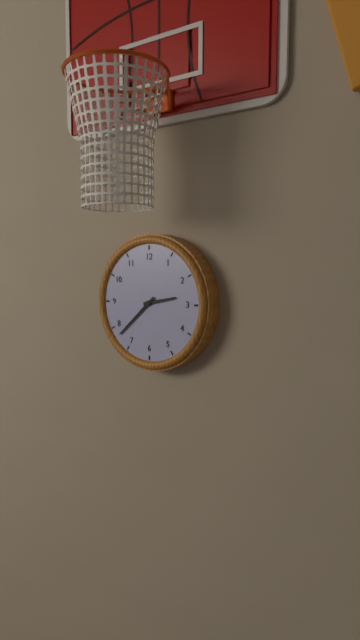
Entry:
2.38
